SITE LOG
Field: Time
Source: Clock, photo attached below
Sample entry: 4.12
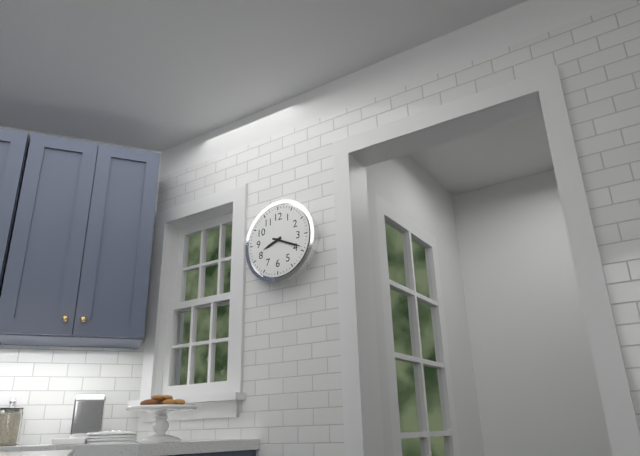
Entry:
8.19
